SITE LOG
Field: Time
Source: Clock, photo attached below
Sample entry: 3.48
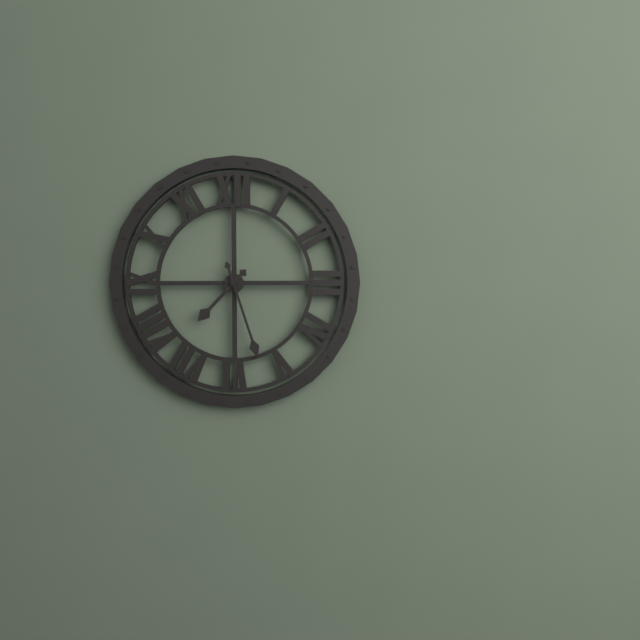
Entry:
7.27
